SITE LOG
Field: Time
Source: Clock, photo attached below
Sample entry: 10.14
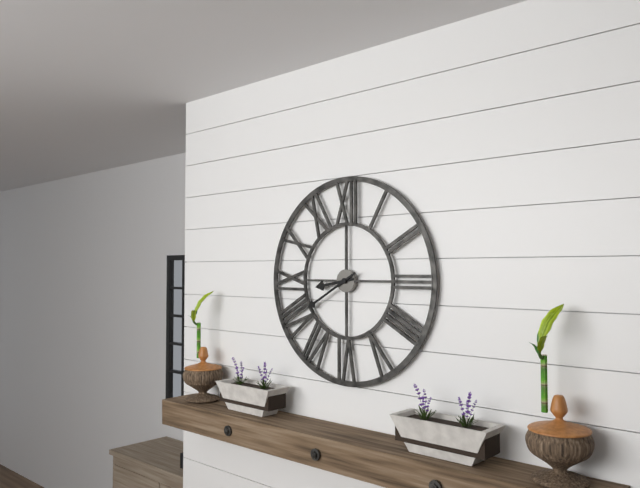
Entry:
8.40
